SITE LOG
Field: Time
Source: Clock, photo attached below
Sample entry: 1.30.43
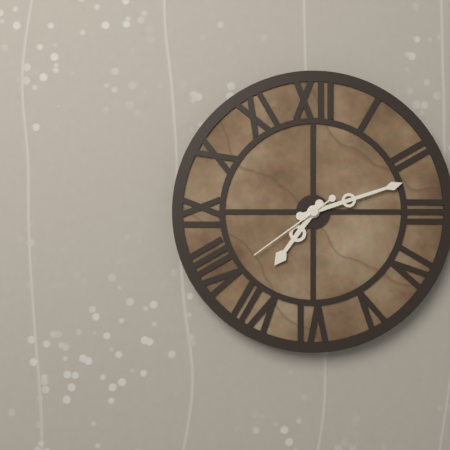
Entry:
7.12.39
